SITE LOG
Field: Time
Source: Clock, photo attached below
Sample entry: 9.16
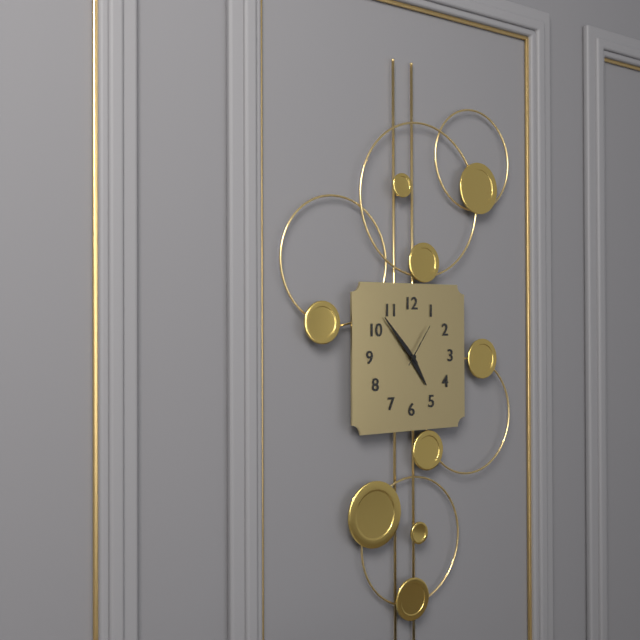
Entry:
4.53
